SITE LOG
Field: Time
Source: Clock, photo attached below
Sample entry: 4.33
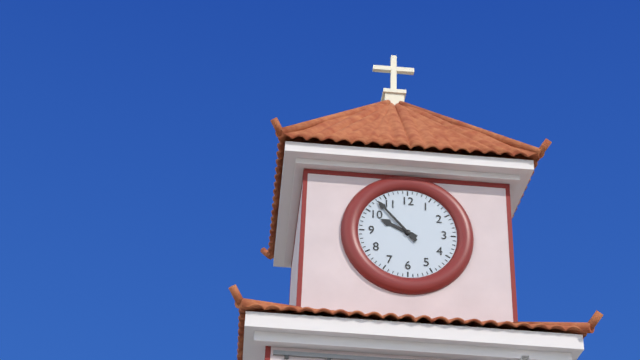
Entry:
9.53
